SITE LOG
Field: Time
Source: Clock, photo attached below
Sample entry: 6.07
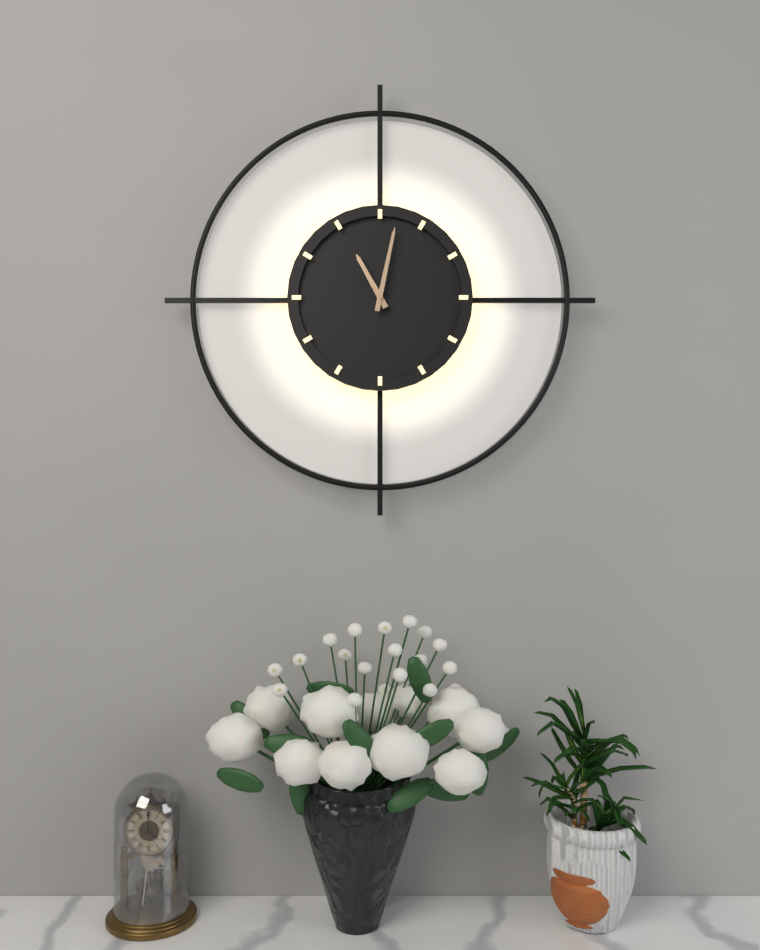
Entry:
11.02
